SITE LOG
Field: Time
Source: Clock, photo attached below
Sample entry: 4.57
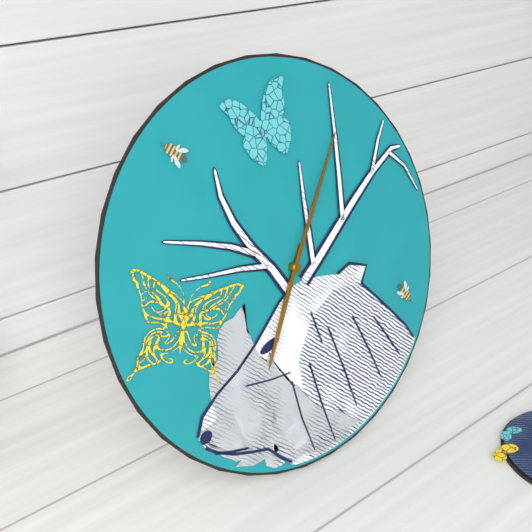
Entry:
7.06
